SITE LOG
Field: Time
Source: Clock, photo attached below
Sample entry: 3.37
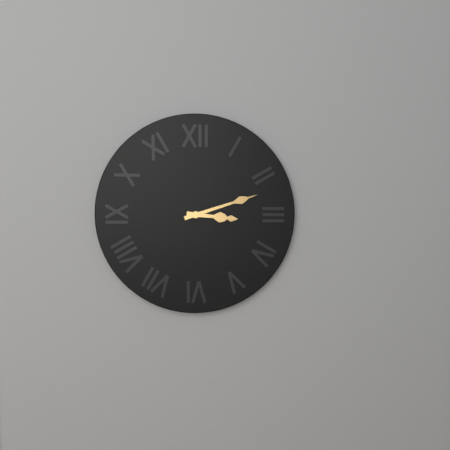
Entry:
3.12
